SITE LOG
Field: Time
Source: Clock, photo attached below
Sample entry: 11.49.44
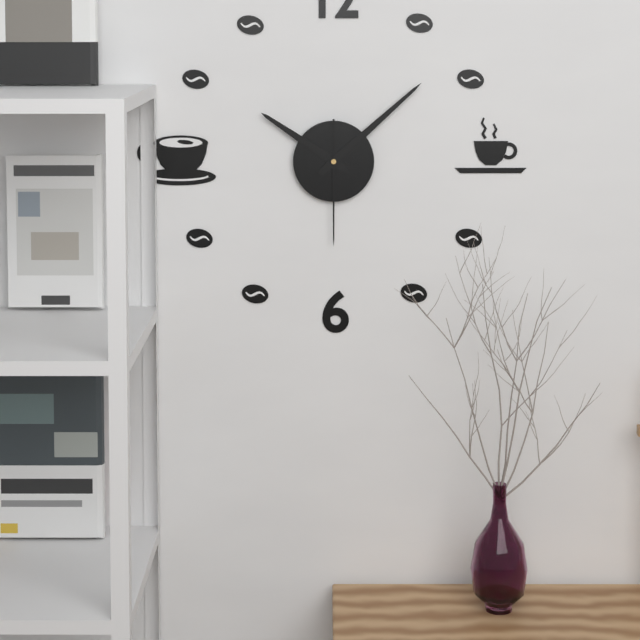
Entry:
10.08.30
